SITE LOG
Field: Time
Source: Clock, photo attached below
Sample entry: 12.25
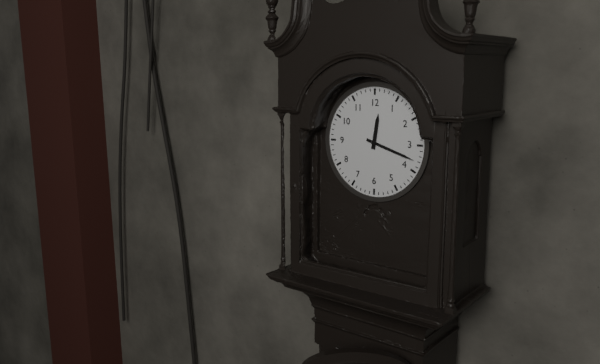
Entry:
12.18
